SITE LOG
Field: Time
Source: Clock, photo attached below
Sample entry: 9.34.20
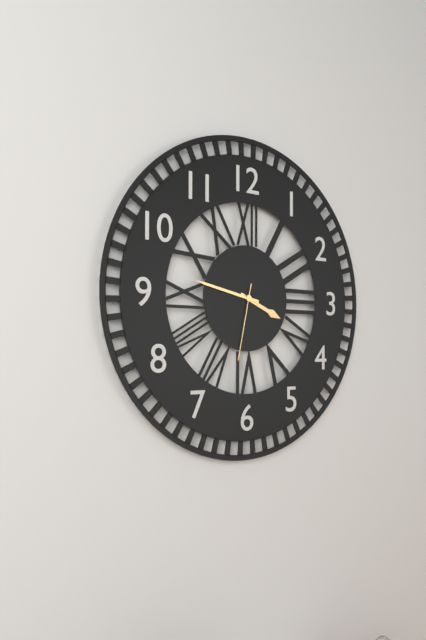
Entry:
3.47.32
